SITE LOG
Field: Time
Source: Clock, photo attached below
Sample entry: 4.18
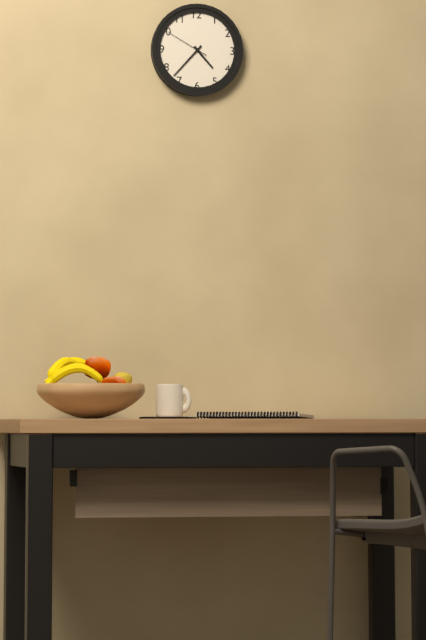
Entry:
4.37
